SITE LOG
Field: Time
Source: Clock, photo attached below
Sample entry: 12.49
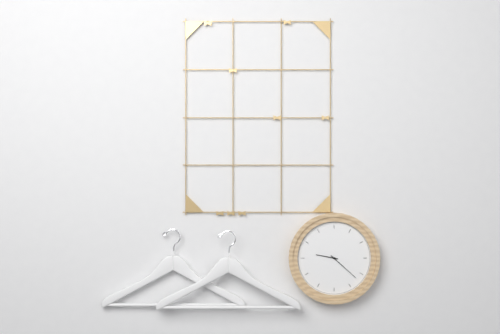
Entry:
9.22
